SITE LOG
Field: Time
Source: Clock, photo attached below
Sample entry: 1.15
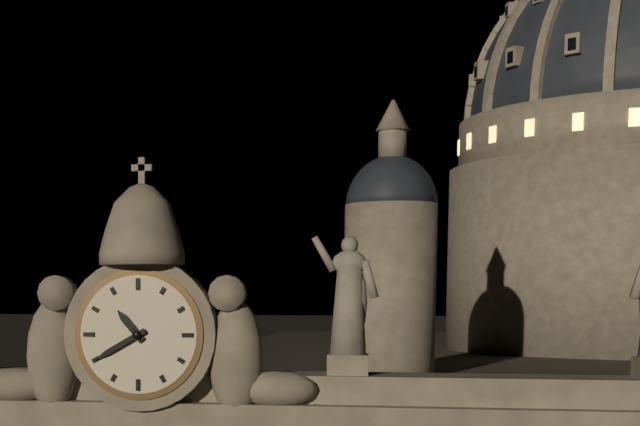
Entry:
10.40
